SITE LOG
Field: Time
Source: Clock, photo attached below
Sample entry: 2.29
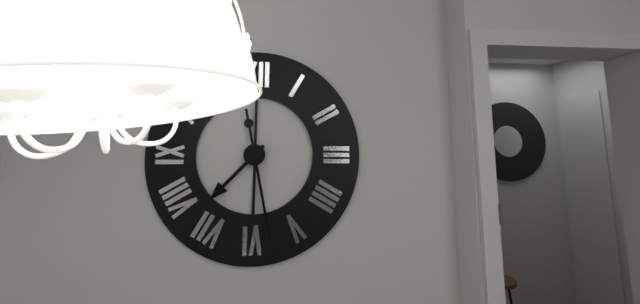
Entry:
7.28
